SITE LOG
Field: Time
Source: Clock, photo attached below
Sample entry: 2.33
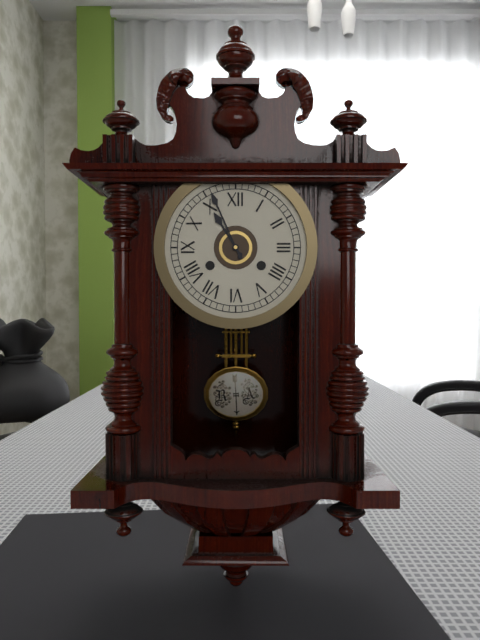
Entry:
10.56
